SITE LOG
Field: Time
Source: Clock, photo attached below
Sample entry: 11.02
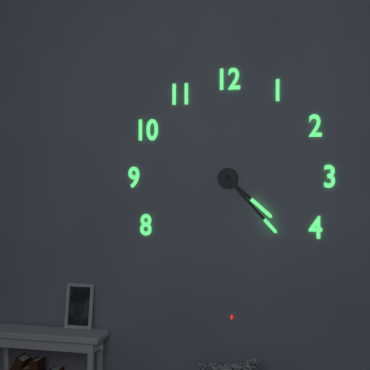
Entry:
4.23
